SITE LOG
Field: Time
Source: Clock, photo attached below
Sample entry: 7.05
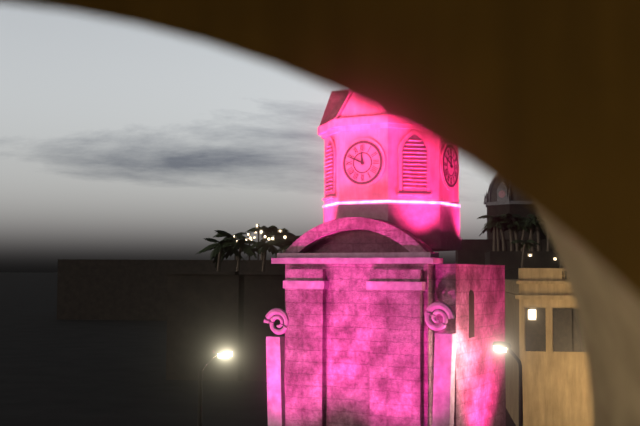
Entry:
11.49
